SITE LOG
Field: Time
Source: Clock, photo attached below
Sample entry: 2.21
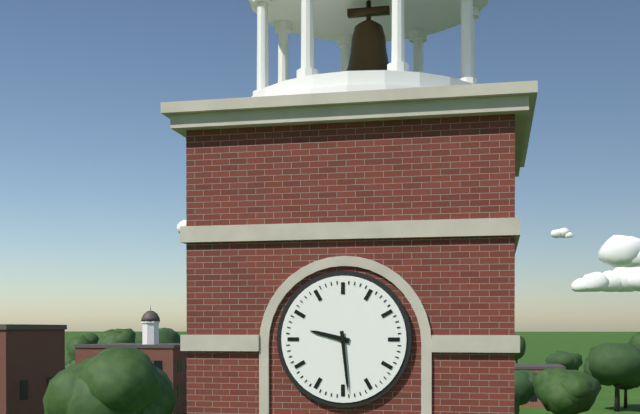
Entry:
9.29
